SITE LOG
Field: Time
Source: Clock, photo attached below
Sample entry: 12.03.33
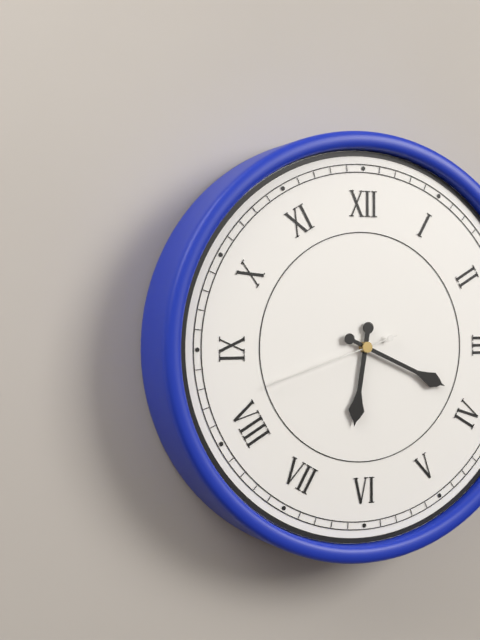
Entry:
6.19.42
